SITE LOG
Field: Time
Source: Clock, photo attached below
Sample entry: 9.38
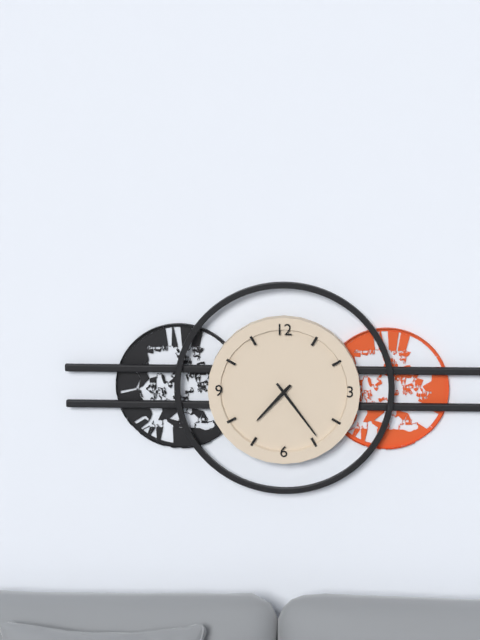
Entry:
7.24
